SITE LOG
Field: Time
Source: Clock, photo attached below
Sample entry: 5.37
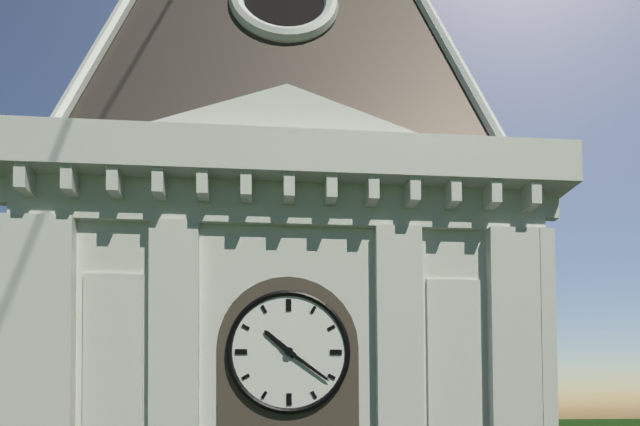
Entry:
10.21
